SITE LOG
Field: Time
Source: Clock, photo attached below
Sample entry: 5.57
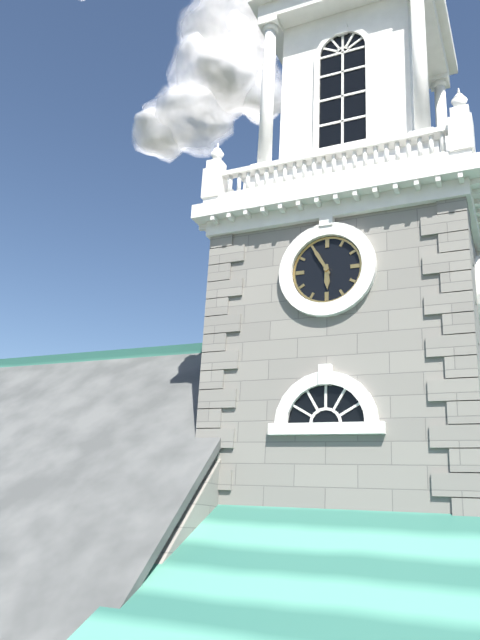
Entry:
5.55
